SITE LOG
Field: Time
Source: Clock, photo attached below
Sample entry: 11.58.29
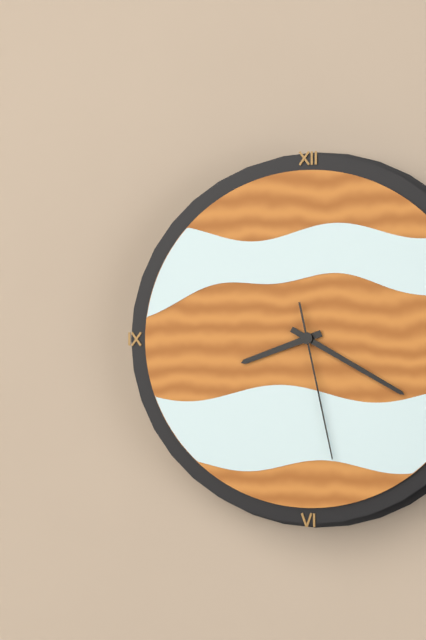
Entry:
8.20.28
